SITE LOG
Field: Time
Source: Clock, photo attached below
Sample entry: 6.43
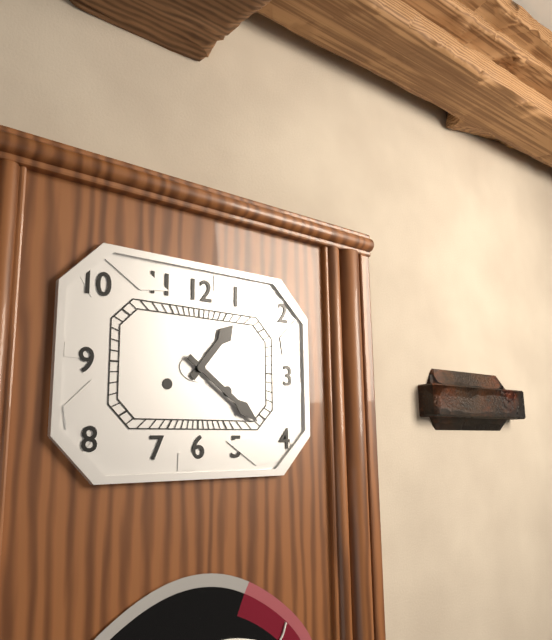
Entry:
1.21
